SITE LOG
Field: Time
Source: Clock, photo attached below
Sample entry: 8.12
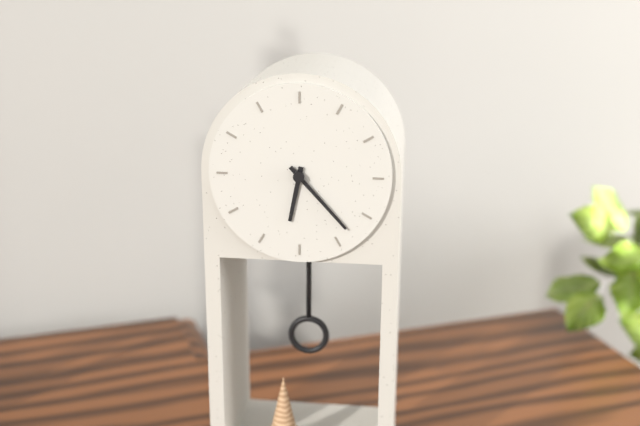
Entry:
6.23
